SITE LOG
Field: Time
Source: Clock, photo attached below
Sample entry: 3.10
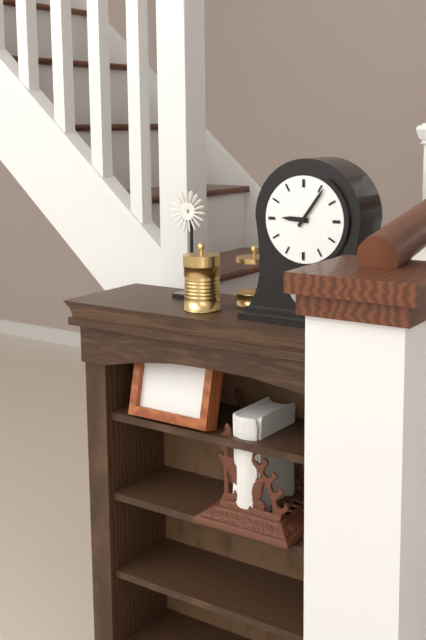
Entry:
9.06
